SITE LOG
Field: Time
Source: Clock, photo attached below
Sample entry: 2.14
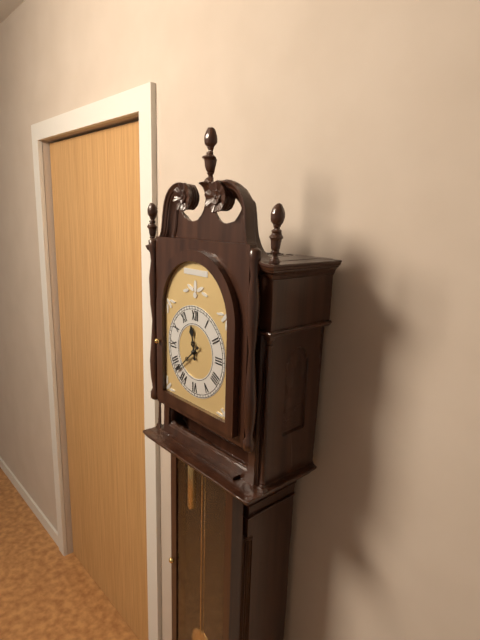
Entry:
11.38
